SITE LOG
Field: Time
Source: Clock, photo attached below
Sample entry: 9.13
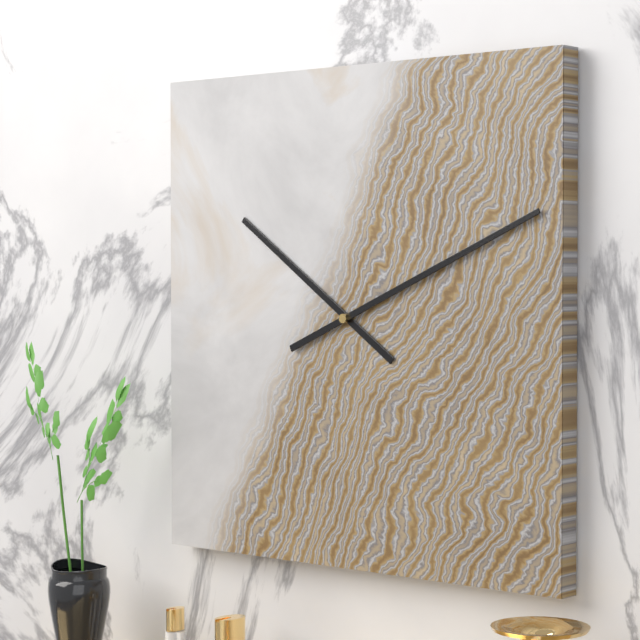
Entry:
10.11
